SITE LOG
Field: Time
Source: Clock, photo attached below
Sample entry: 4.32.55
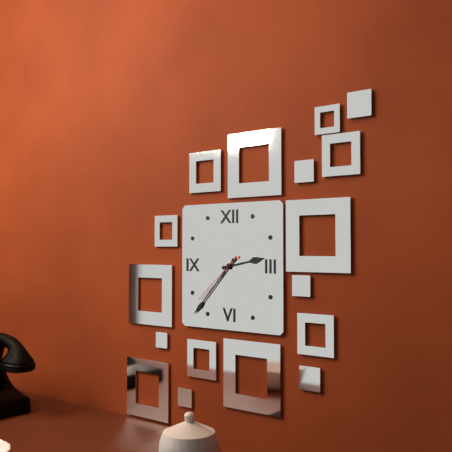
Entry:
2.37.38
